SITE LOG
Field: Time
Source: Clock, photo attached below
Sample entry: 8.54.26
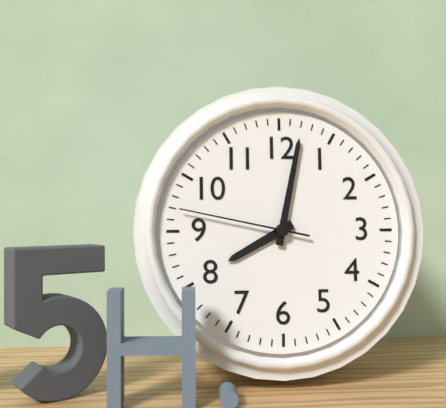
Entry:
8.02.47
